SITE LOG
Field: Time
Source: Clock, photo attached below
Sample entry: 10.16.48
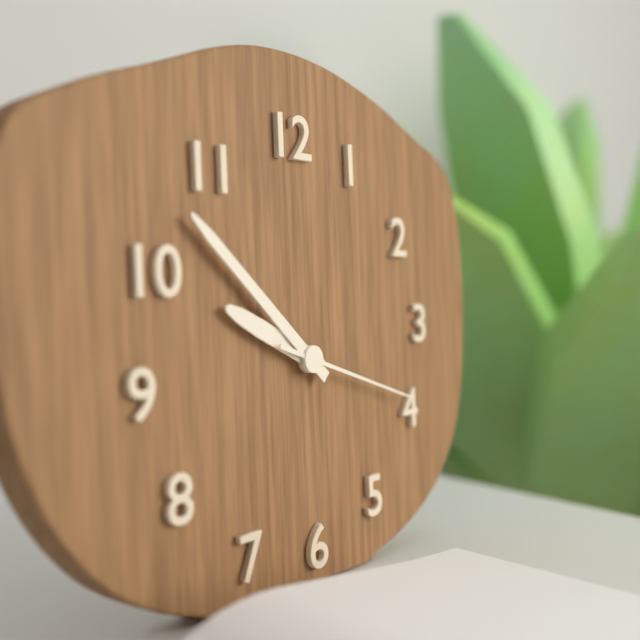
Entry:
9.52.18
